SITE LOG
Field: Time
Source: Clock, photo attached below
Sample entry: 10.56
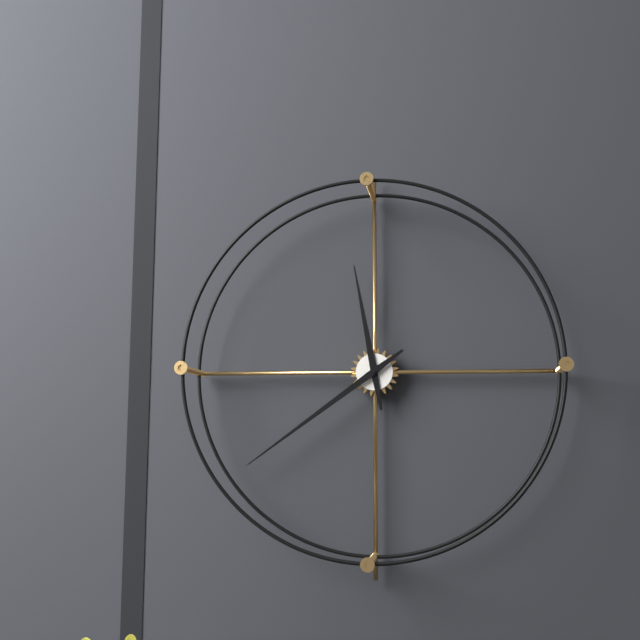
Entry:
11.39
